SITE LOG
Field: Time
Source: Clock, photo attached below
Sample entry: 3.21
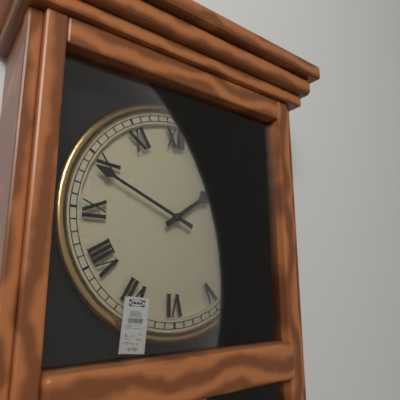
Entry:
1.49
